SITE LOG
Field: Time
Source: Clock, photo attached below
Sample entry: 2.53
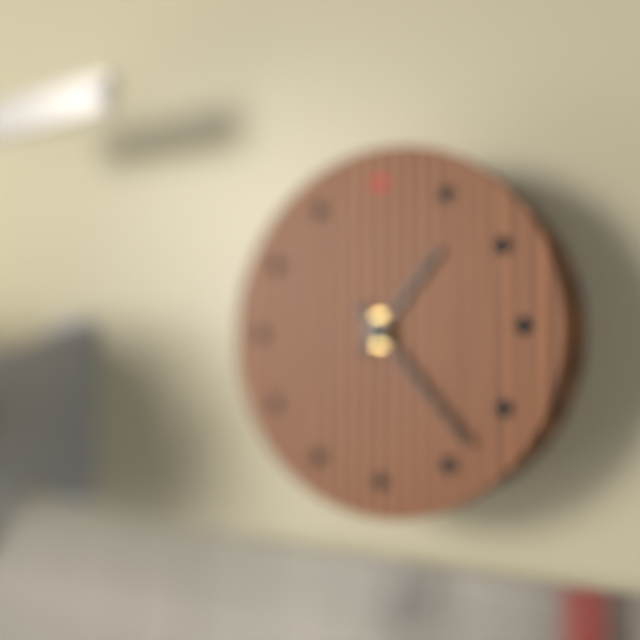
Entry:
1.23
